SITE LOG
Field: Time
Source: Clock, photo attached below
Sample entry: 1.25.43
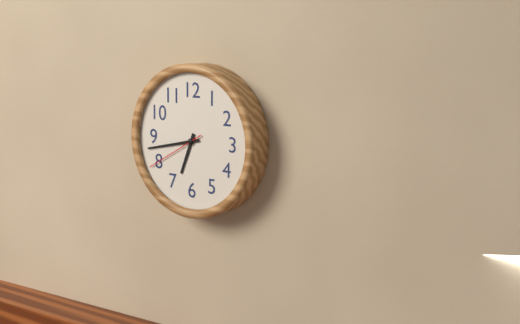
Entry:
6.43.40
